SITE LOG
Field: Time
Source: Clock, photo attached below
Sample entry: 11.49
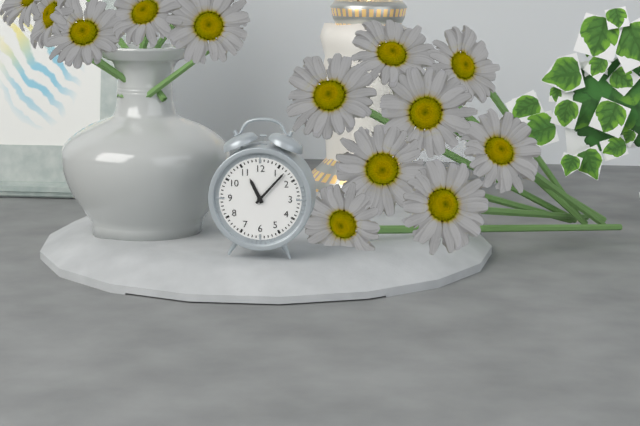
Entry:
11.07
